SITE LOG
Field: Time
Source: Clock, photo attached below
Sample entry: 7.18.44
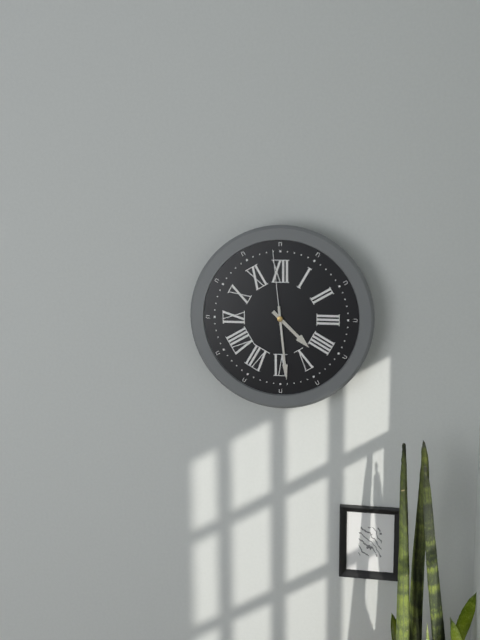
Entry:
4.29.59
